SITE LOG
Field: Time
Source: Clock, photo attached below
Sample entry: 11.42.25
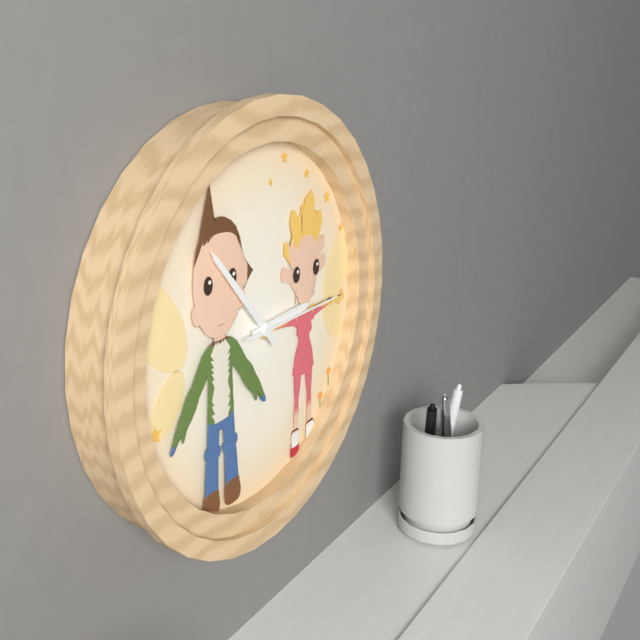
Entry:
2.53.15
